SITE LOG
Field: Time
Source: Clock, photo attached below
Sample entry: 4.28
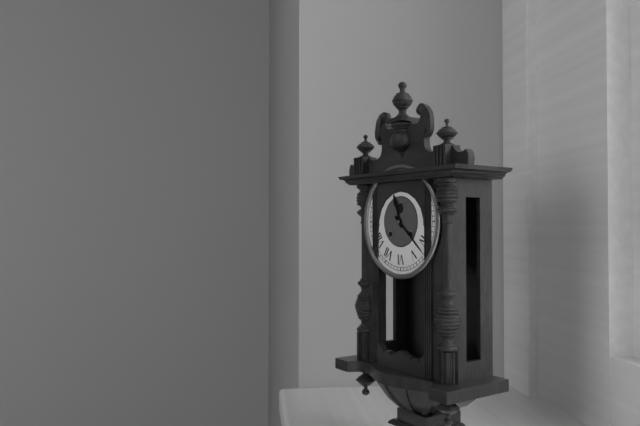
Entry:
11.22
